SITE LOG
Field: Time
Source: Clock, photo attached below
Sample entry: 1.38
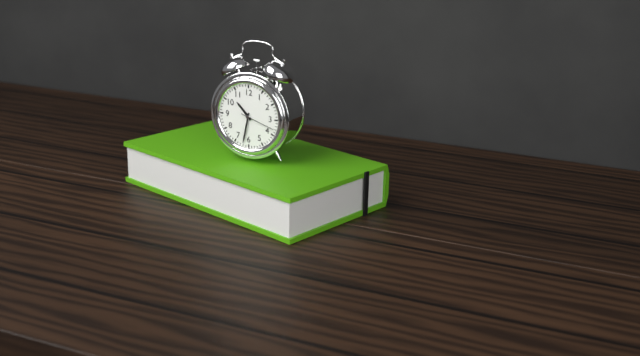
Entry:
10.32
